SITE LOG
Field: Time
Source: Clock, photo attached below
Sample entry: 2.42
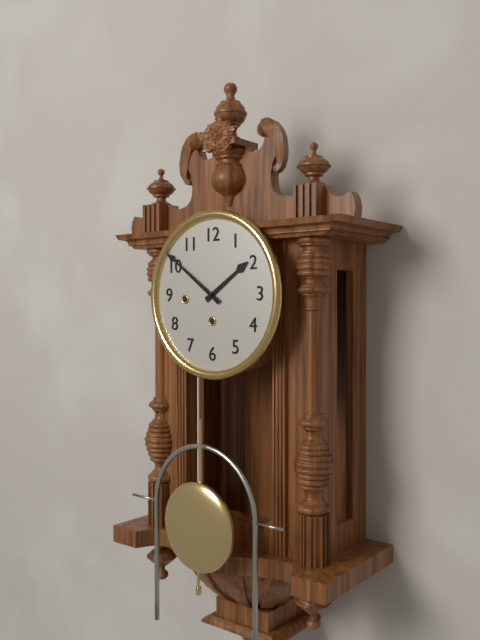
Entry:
1.51
